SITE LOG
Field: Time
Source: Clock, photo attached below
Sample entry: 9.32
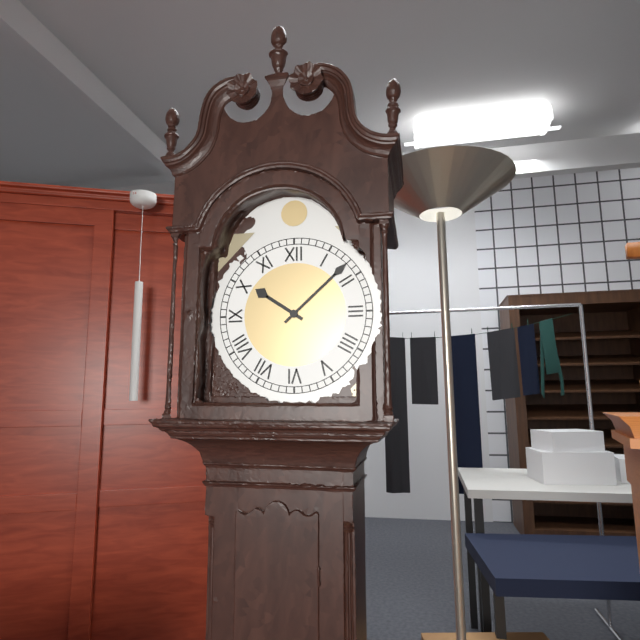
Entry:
10.08
